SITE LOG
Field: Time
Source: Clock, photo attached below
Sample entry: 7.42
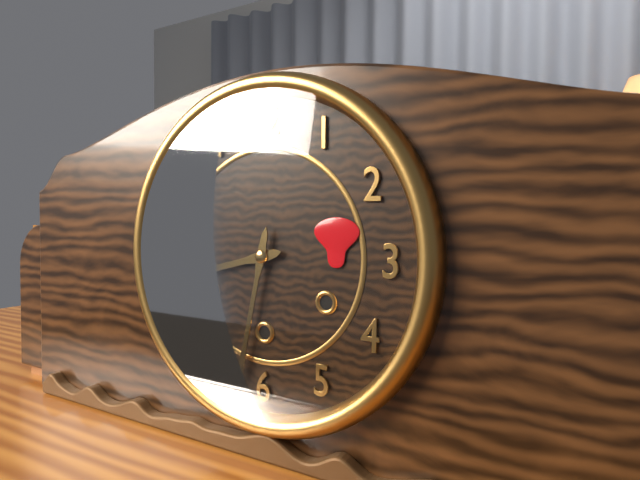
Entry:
8.32
